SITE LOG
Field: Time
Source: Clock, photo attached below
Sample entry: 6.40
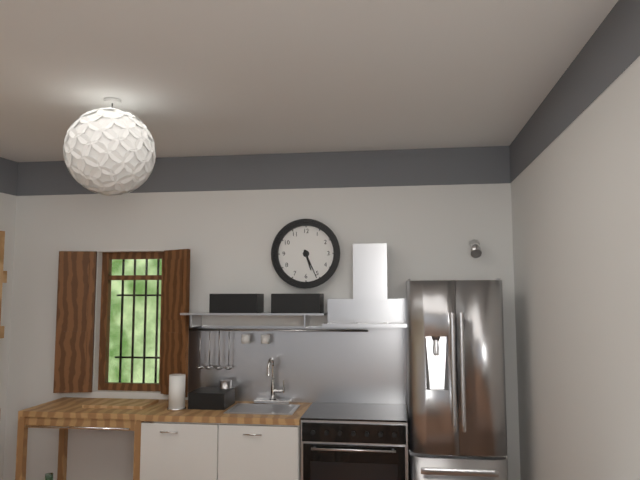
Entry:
5.26
